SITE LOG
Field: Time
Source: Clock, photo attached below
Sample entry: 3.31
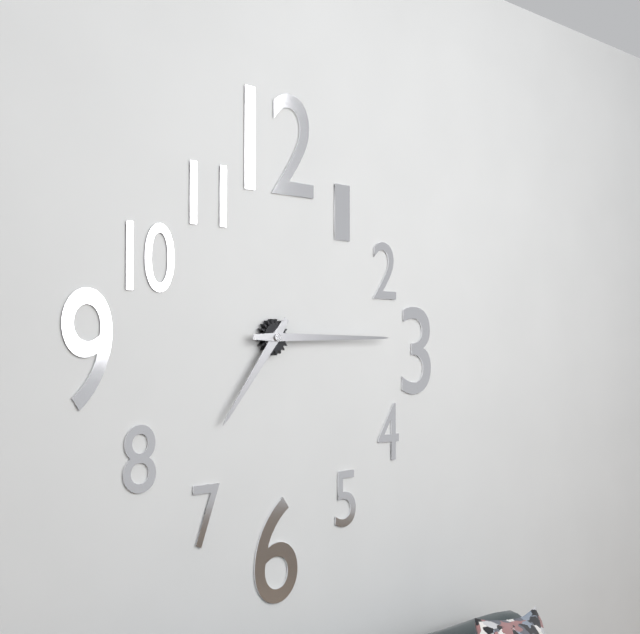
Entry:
7.15
